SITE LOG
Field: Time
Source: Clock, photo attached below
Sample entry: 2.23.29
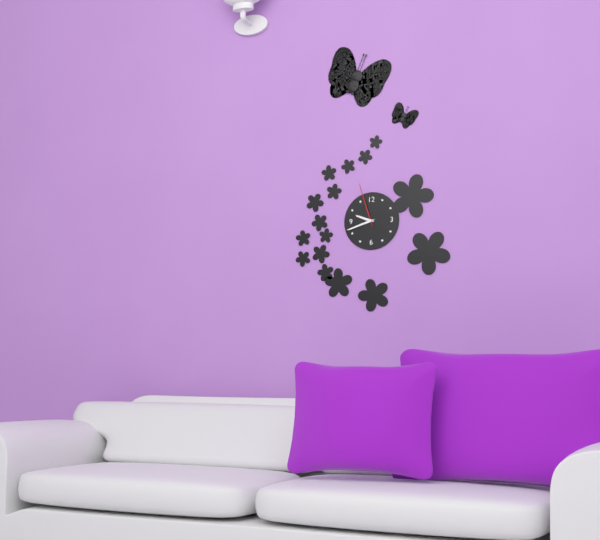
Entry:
9.42.57
